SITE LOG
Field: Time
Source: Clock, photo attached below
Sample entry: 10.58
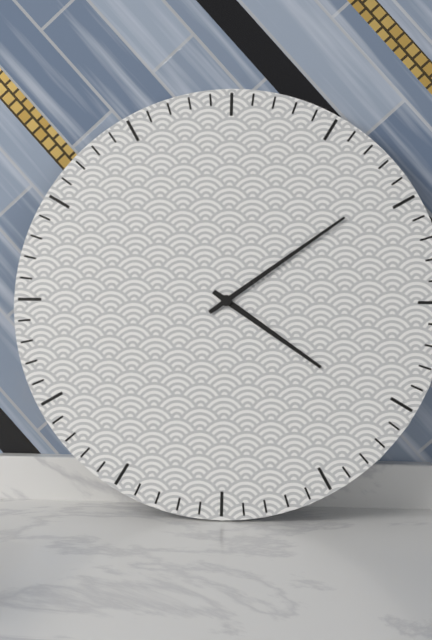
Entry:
4.09
